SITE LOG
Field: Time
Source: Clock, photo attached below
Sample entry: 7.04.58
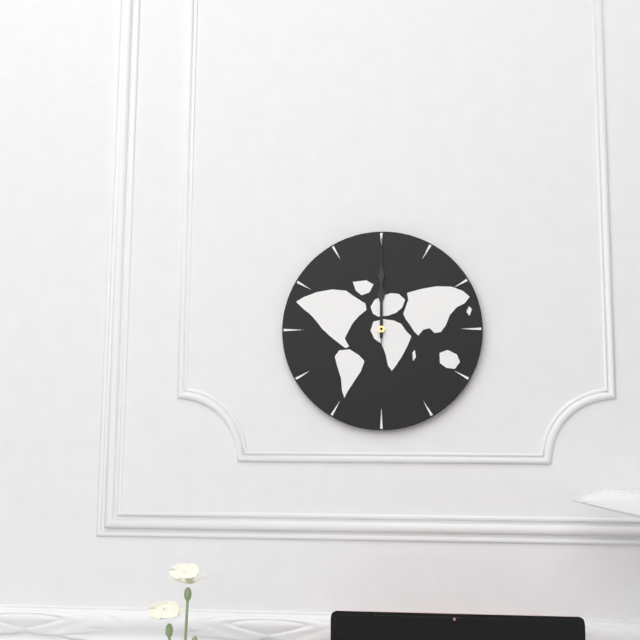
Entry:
12.00.00
